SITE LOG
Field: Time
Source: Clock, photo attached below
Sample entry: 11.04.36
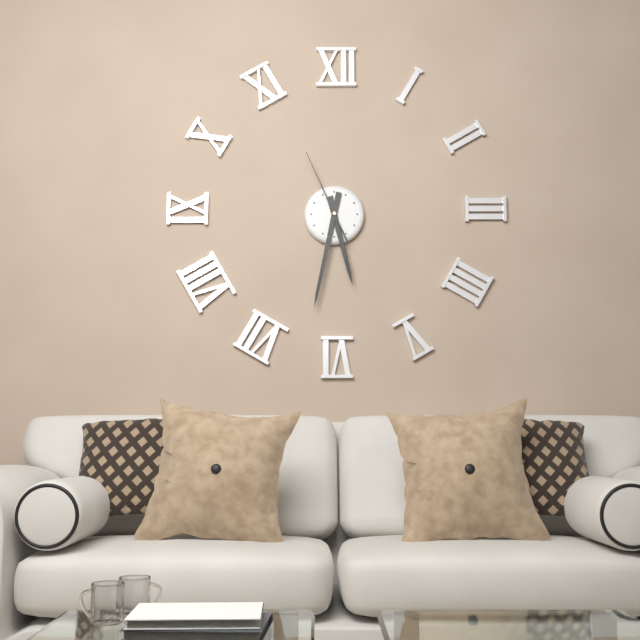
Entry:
5.32.56
